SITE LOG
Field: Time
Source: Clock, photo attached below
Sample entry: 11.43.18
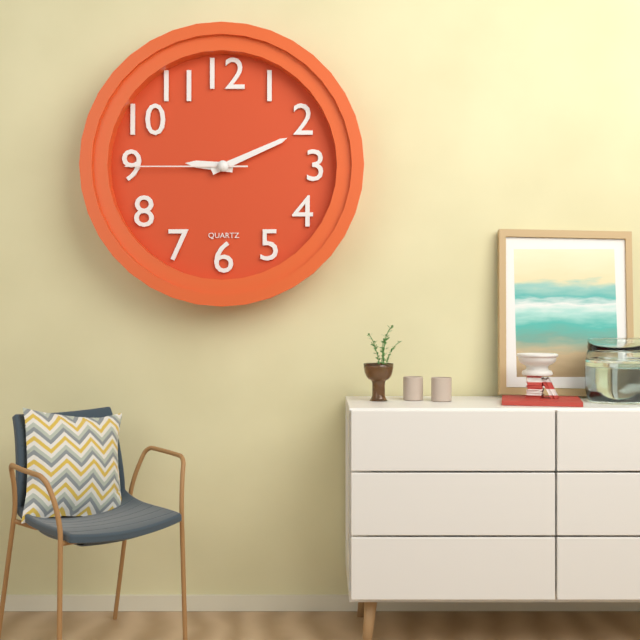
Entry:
9.11.45
